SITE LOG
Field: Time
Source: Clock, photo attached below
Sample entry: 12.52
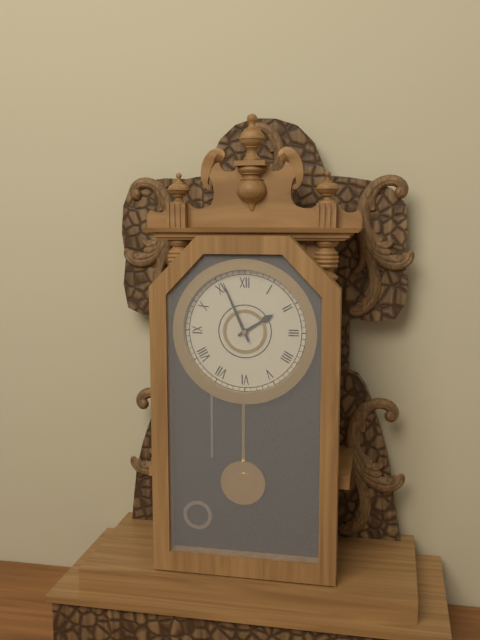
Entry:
1.56
